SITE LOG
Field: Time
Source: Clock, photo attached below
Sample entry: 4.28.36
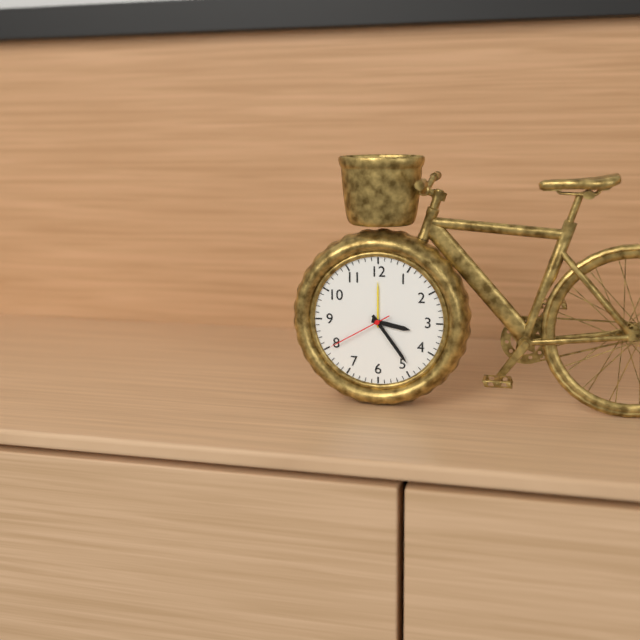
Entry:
3.24.40
